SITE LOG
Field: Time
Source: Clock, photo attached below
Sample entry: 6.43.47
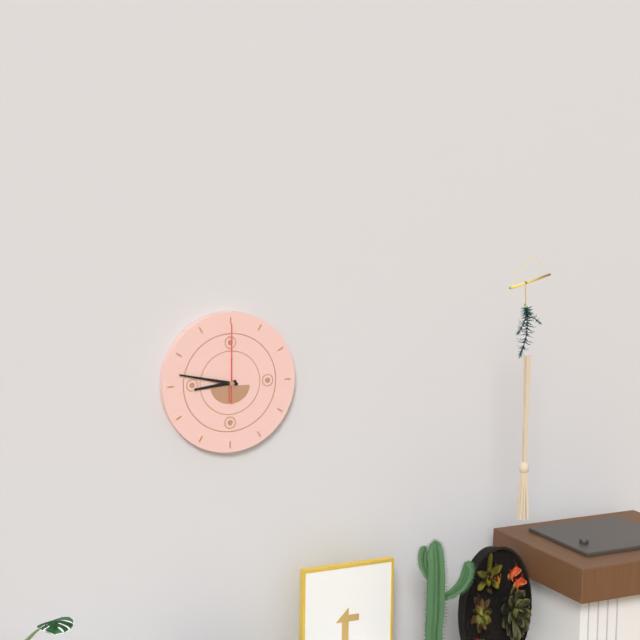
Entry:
8.47.00
